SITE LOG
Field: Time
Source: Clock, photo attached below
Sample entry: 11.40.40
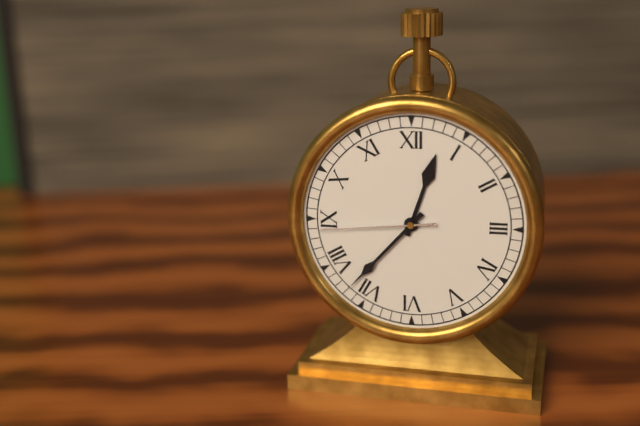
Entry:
12.37.44
